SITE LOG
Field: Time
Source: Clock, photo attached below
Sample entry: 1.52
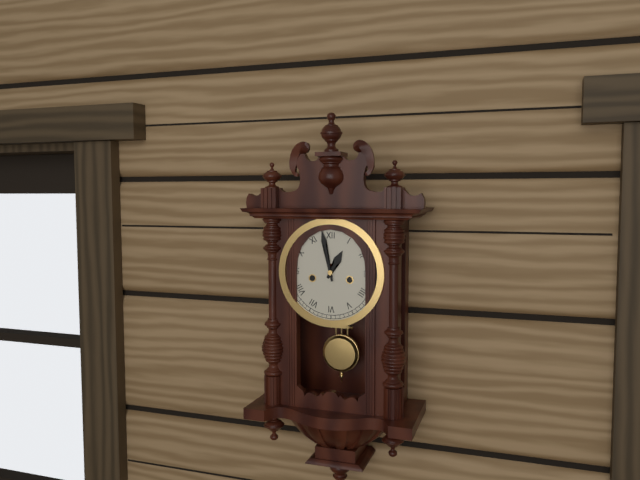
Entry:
12.58
